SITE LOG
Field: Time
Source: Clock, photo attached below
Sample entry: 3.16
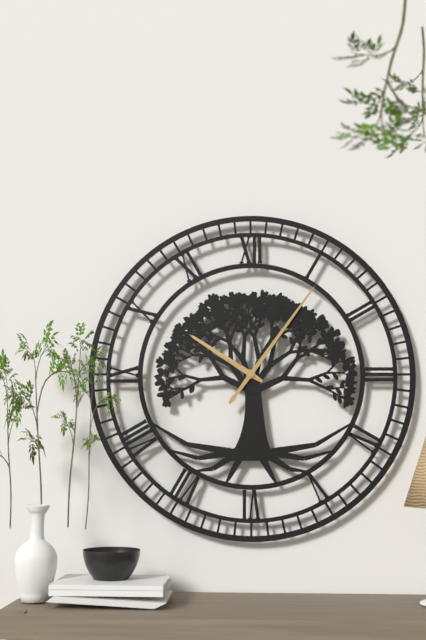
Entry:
10.06
